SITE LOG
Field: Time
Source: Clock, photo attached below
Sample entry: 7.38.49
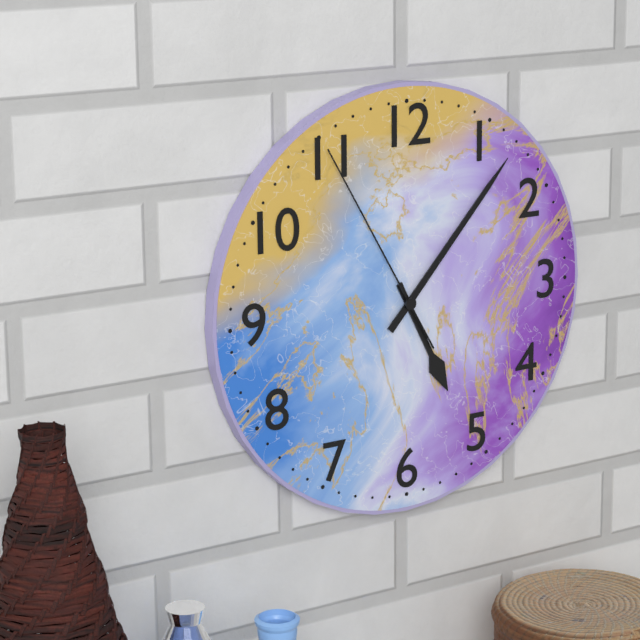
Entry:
5.07.55
